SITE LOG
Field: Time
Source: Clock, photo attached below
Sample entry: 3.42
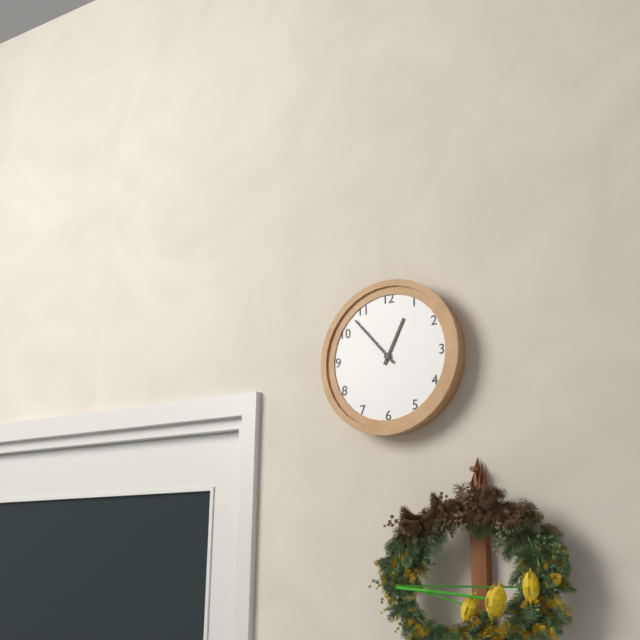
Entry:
12.53
